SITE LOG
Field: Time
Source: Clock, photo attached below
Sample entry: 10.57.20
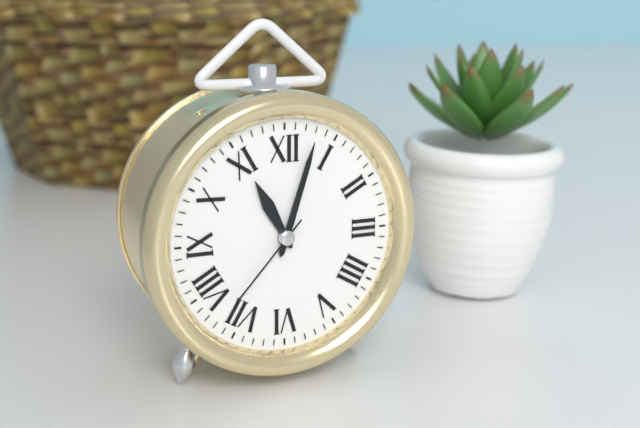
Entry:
11.03.37
